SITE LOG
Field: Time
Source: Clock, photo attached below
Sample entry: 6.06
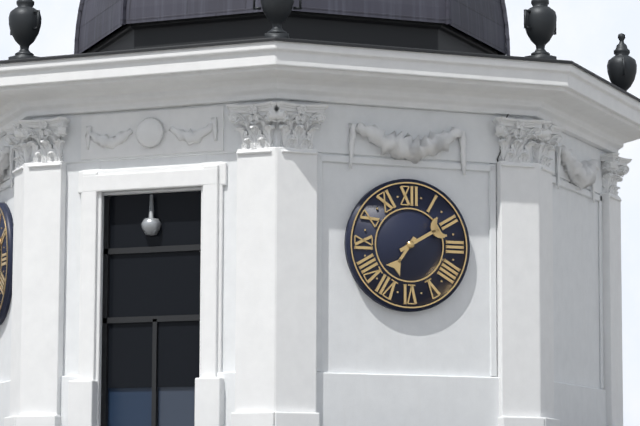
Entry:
7.10
